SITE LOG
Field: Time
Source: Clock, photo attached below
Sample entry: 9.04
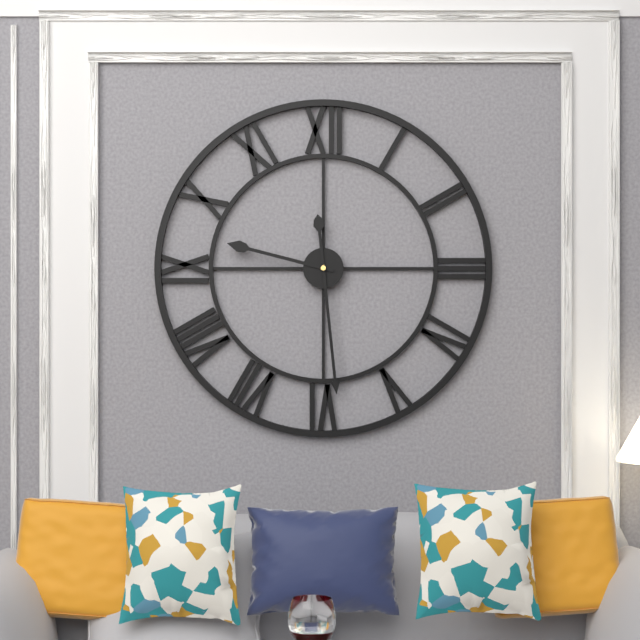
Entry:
9.29
